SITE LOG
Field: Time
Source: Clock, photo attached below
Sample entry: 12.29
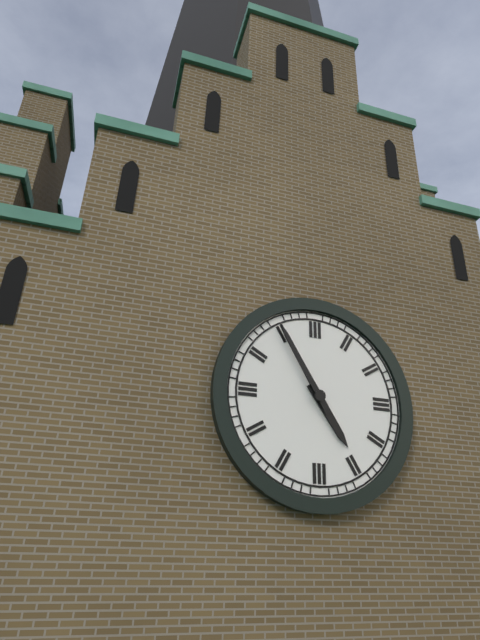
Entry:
4.55
